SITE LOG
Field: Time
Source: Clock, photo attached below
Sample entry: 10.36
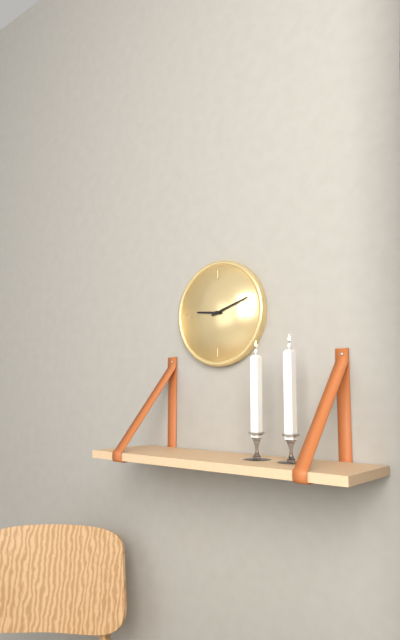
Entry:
9.12
